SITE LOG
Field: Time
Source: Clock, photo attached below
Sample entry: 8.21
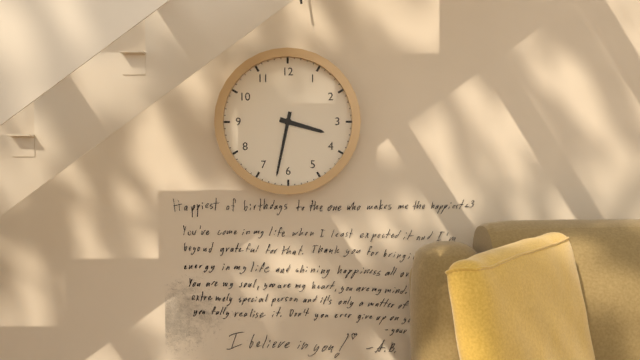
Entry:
3.32
